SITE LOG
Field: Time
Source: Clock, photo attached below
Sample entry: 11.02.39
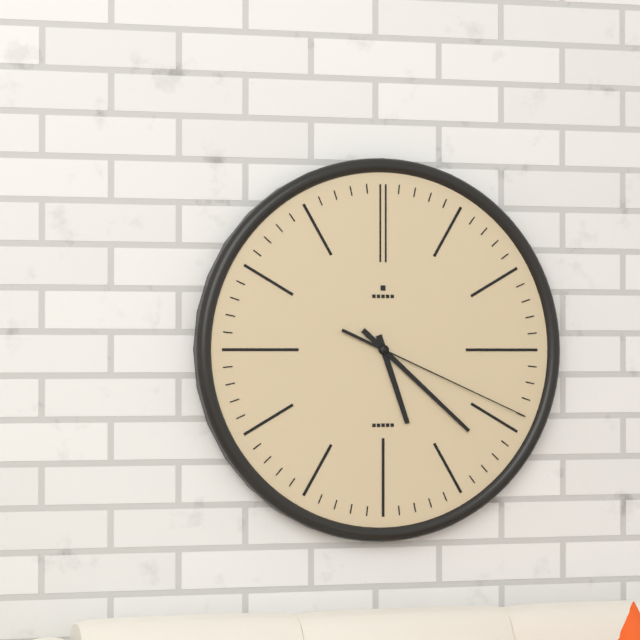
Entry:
5.22.19
